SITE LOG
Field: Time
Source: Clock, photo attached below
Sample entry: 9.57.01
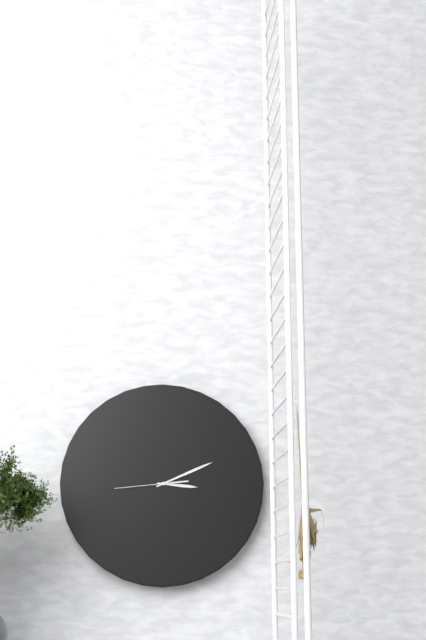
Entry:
3.11.44
